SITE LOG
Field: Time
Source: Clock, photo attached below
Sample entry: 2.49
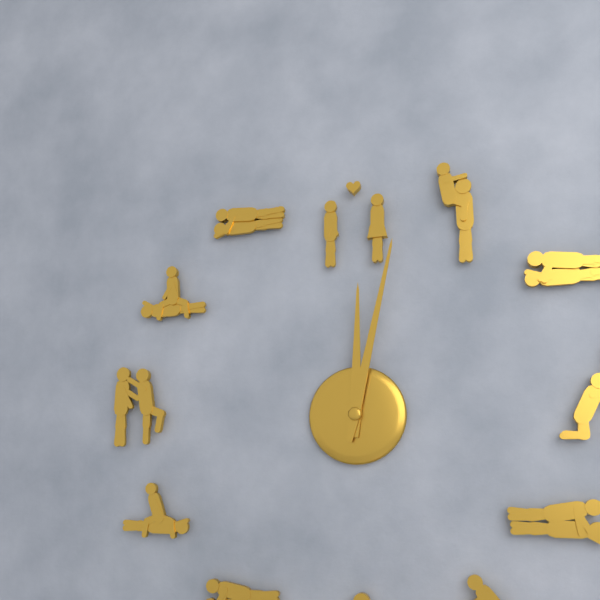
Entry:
12.02
